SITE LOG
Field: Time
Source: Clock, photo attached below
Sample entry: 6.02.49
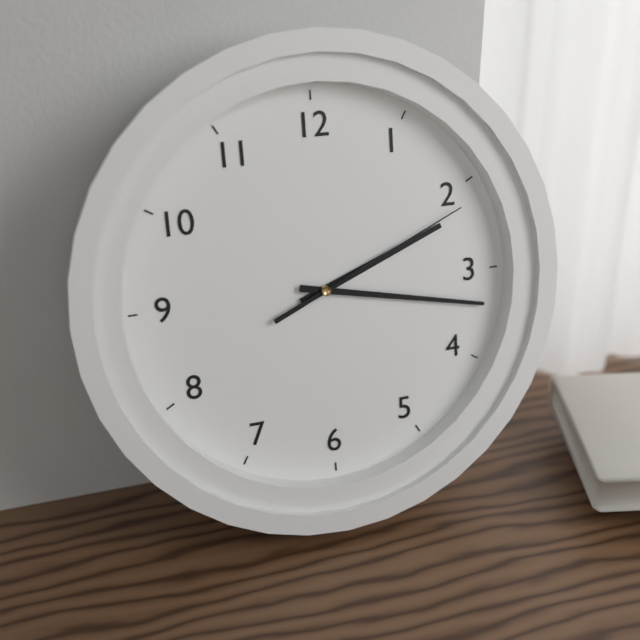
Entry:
2.17.11
